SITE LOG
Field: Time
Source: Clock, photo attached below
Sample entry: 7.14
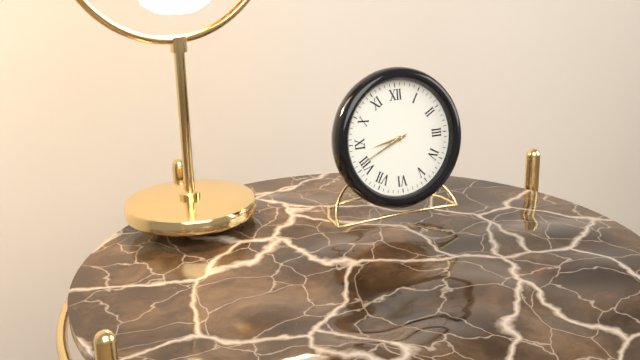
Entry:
8.41
